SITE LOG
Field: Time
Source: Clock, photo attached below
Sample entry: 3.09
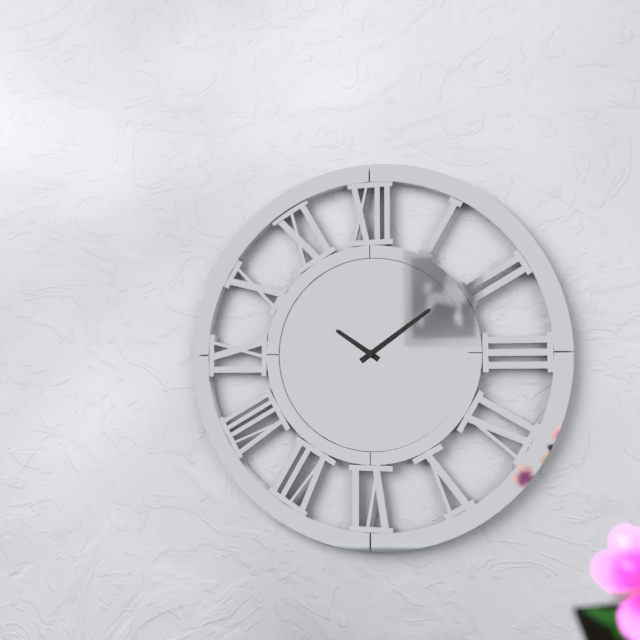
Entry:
10.09
